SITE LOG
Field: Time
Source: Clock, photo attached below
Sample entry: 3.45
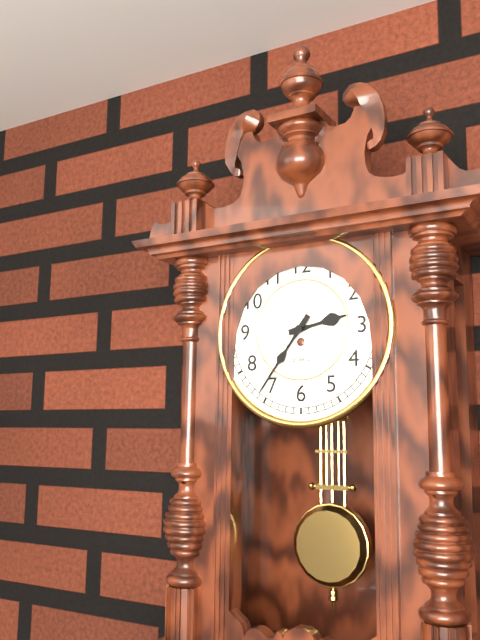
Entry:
2.36
